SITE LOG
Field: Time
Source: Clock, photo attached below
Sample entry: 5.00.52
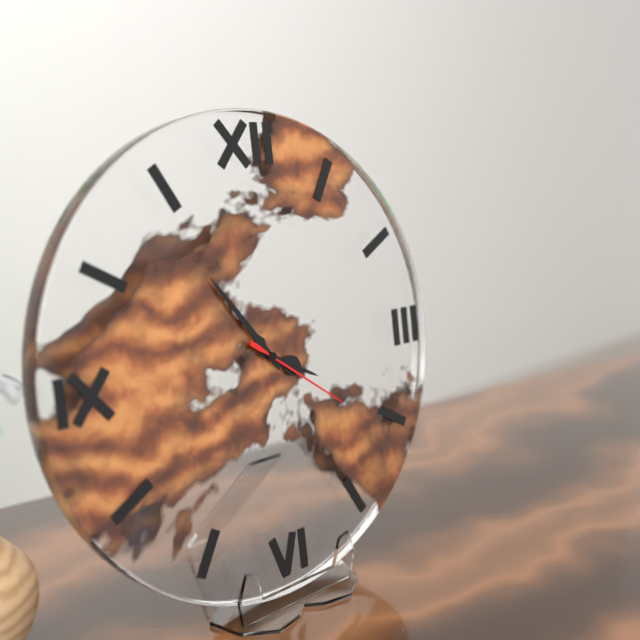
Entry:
3.54.21
